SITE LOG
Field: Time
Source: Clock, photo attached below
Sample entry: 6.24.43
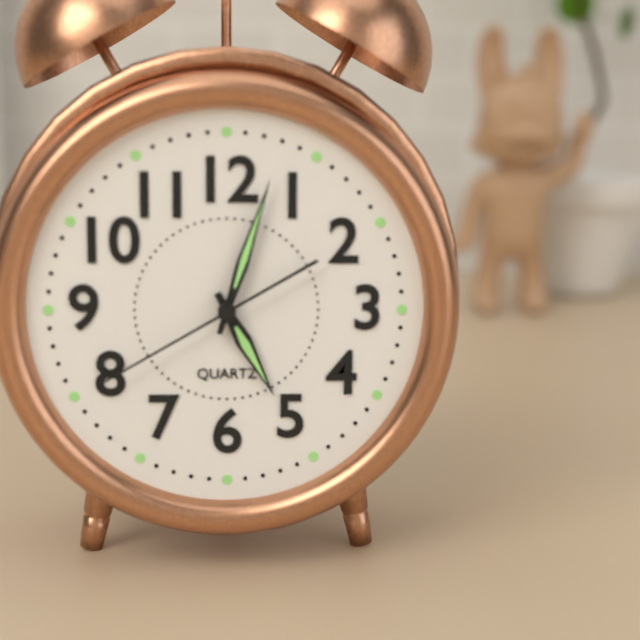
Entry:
5.03.40
